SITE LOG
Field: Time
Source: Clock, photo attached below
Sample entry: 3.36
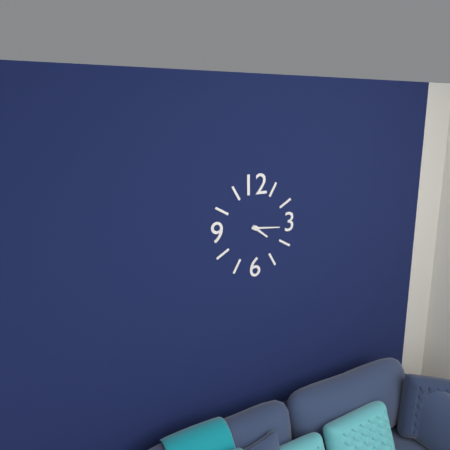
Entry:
4.16
